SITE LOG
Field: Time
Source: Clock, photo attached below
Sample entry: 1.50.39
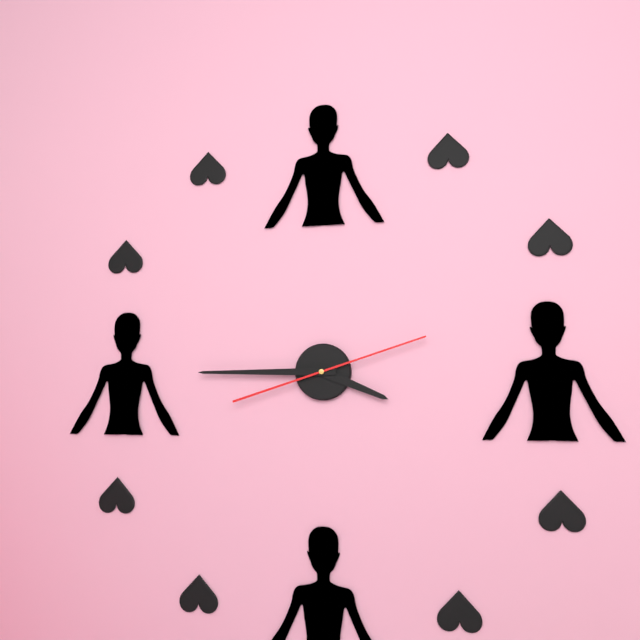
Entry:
3.45.12
